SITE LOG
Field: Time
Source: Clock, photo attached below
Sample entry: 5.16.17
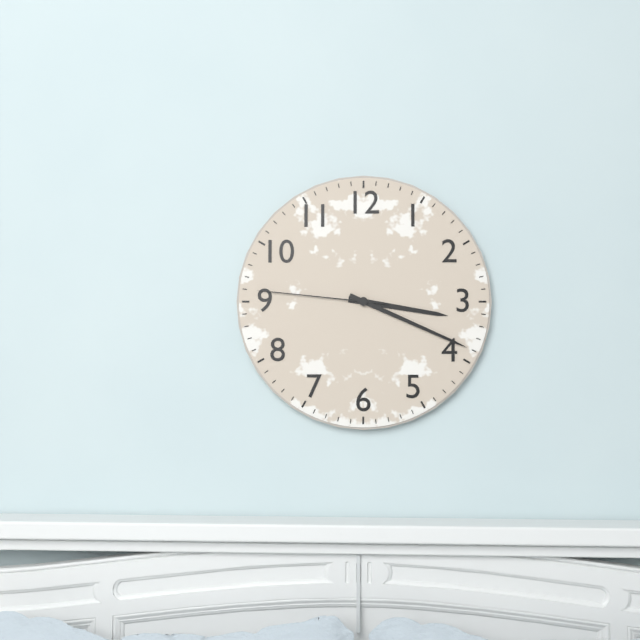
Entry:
3.19.46
